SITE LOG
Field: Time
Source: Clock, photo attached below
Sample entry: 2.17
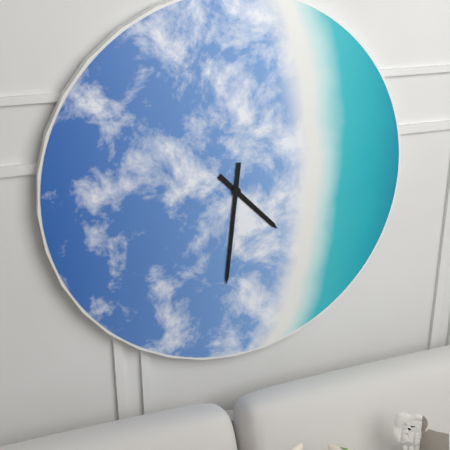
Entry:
4.31
